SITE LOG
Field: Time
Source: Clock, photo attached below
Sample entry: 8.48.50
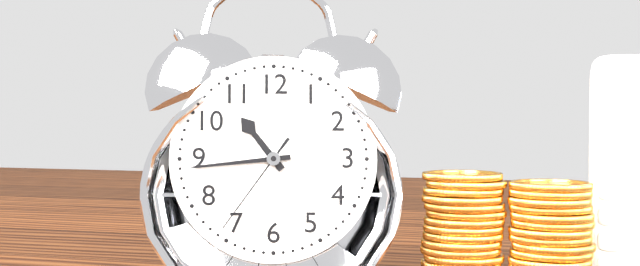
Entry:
10.44.36
